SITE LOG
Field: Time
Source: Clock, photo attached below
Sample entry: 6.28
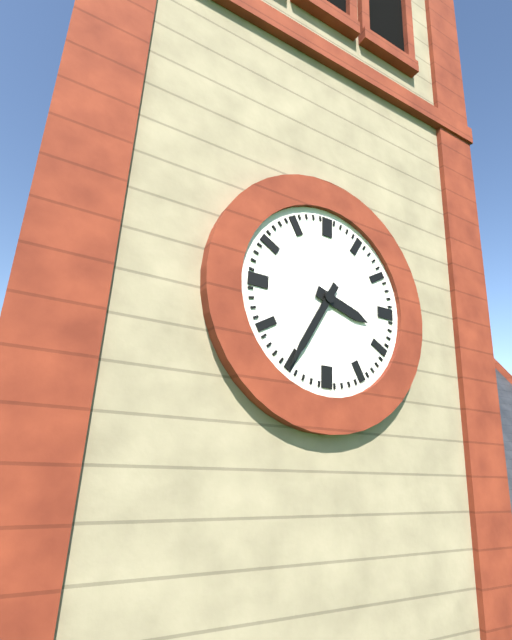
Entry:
3.35
